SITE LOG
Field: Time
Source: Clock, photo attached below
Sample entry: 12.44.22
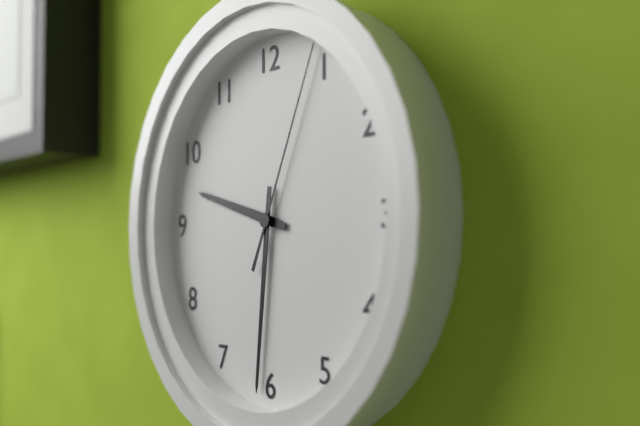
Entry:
9.31.04
